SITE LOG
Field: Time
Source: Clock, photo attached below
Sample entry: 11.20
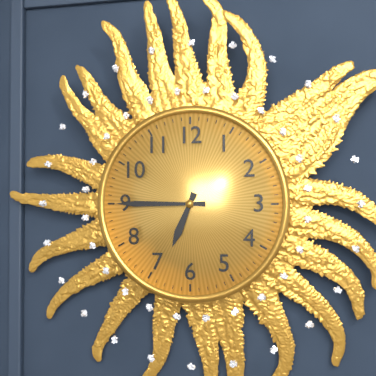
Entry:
6.45
